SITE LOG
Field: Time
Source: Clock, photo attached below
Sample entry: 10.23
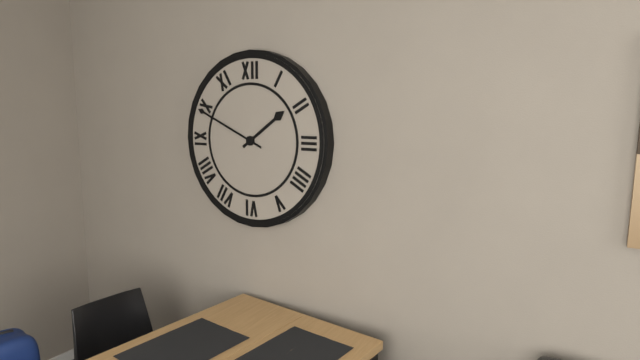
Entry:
1.49
